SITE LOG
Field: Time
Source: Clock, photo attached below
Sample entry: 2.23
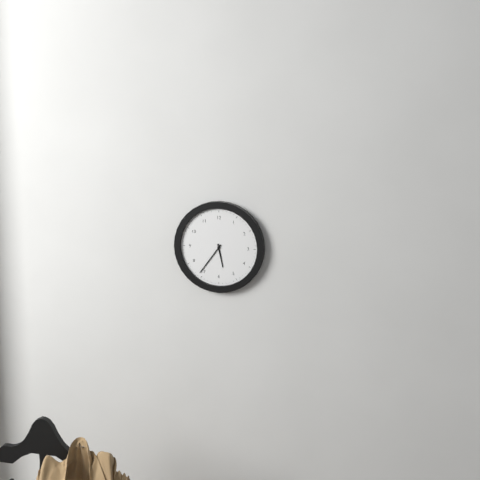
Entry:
5.36
